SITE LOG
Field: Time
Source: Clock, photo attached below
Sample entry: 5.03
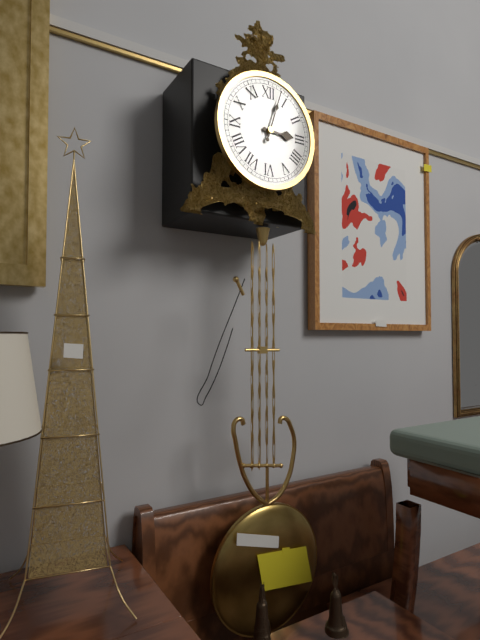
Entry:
3.03
